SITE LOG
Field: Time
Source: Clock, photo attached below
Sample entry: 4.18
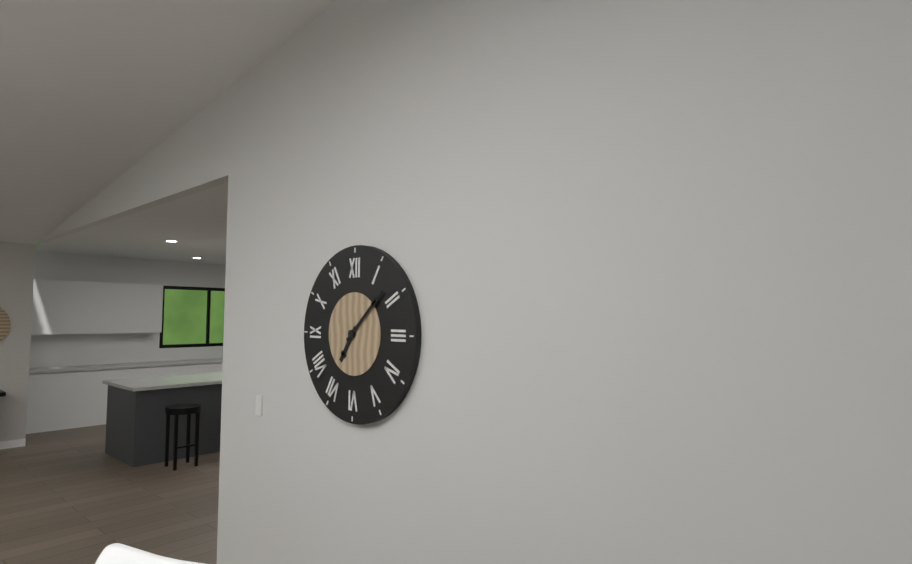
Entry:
7.08
